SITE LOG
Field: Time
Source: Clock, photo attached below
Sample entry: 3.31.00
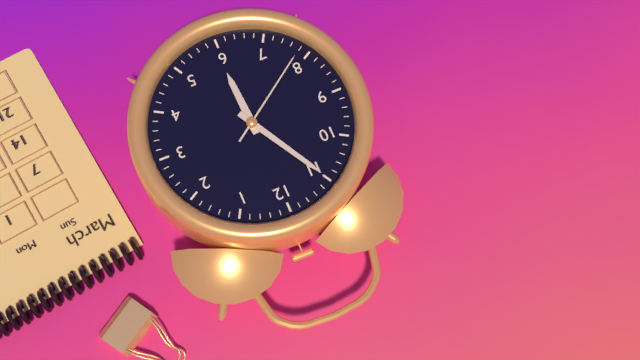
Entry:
5.55.39
